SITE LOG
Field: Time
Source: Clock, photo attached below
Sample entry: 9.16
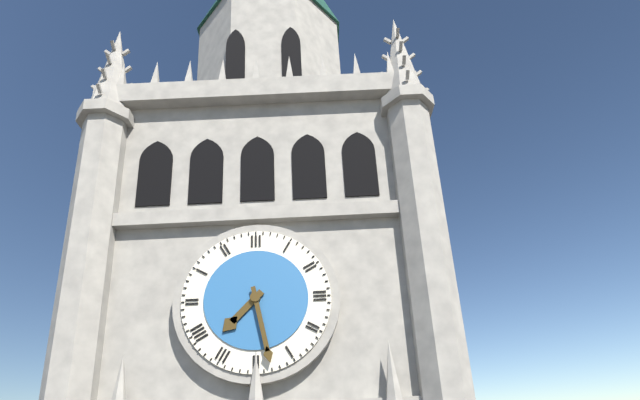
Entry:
7.28
